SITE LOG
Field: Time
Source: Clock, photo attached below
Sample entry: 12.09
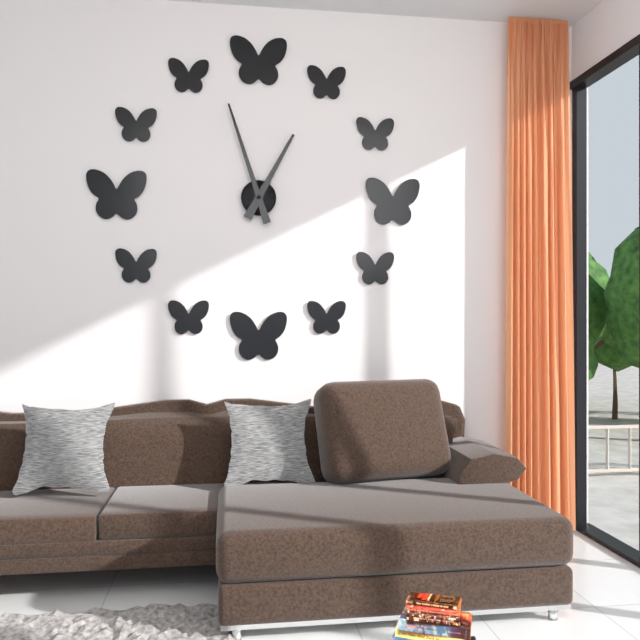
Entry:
12.57
